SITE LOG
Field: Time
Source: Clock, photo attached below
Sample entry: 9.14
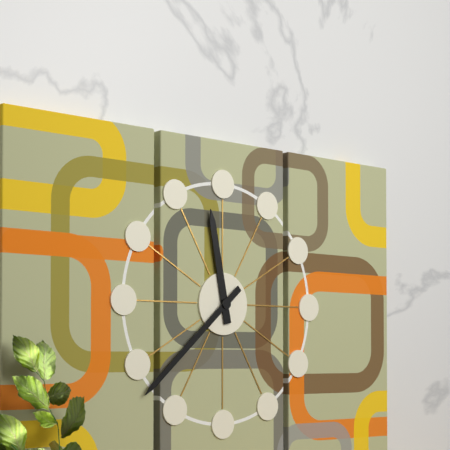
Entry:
11.38
